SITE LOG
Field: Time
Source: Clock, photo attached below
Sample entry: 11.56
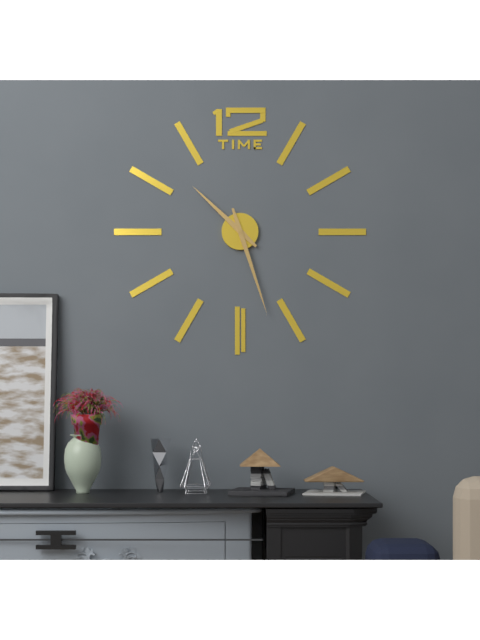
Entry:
10.27
